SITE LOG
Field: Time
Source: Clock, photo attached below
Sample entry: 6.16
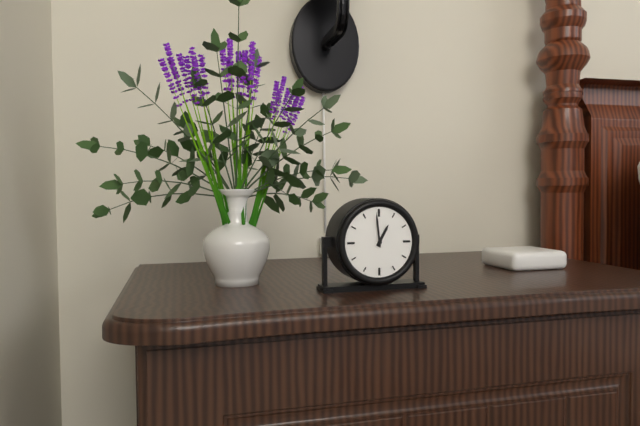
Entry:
12.59
